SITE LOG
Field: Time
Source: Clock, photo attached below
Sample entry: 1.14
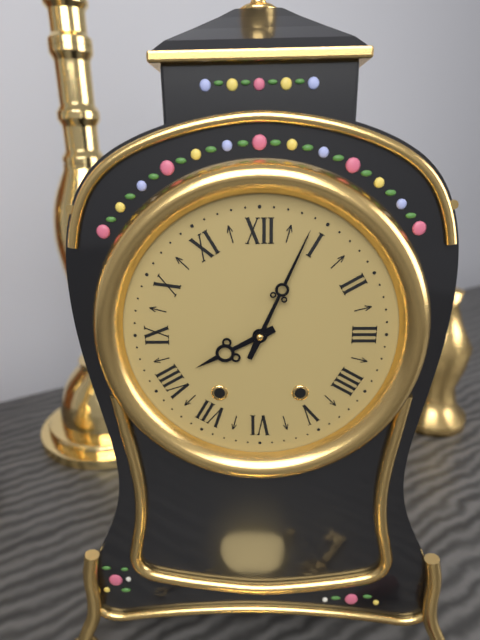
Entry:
8.04
